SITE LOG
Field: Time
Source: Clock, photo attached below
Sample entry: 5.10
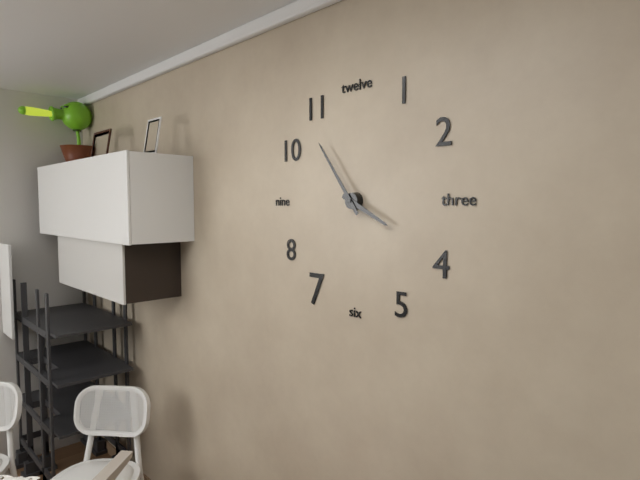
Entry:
3.54
